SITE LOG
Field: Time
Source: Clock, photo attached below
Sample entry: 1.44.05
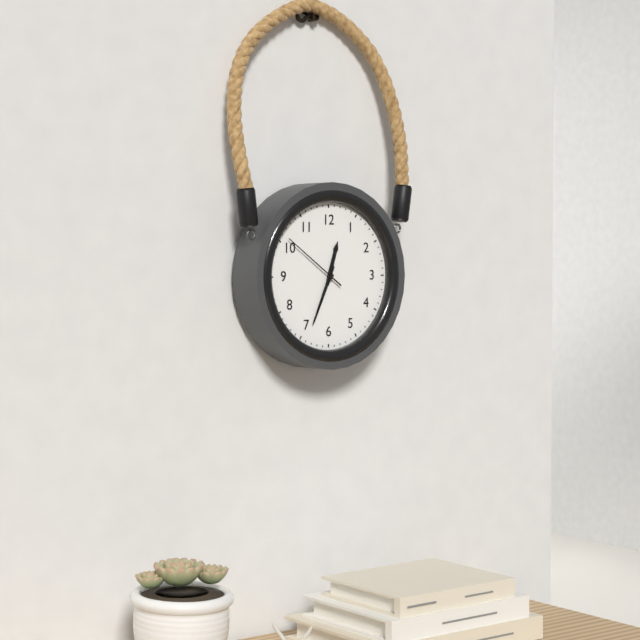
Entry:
12.34.51
